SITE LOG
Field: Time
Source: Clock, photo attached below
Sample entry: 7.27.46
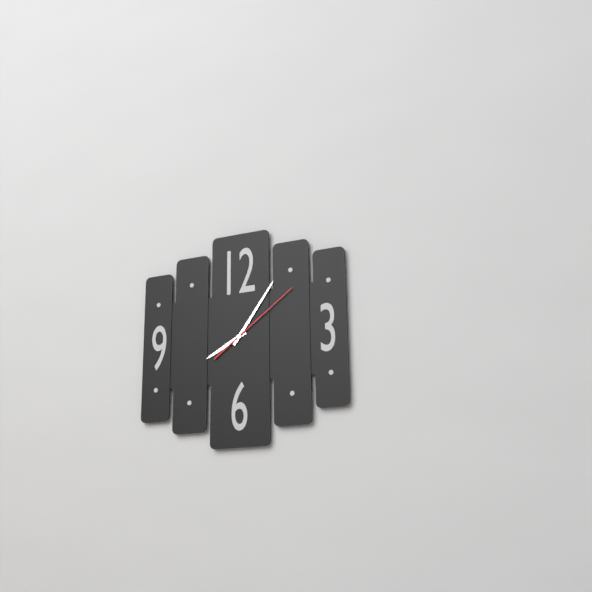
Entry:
8.06.09
